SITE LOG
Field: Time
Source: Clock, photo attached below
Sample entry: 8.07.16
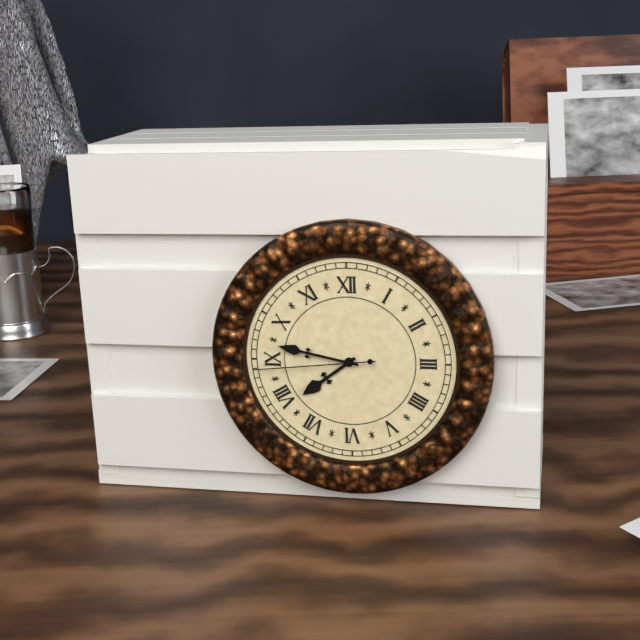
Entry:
7.47.44
